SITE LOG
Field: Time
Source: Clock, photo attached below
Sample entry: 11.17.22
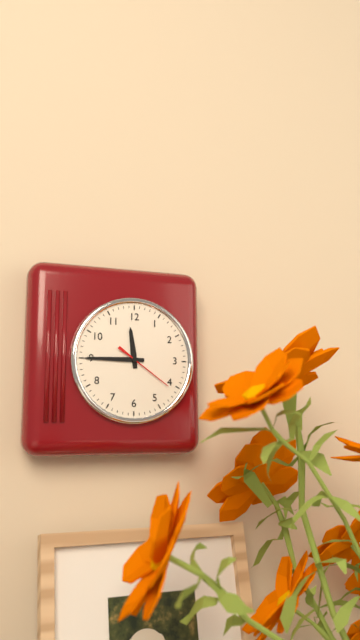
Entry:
11.45.21
